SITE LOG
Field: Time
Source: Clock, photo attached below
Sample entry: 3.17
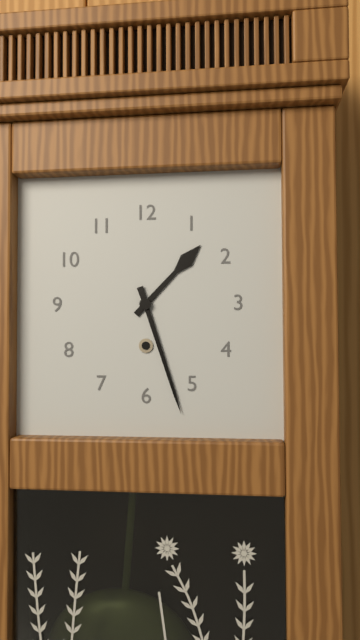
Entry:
1.27
